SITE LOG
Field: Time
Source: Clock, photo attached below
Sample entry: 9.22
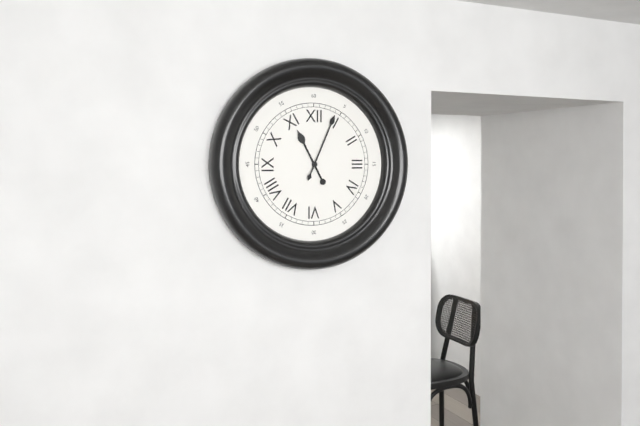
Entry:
11.04
